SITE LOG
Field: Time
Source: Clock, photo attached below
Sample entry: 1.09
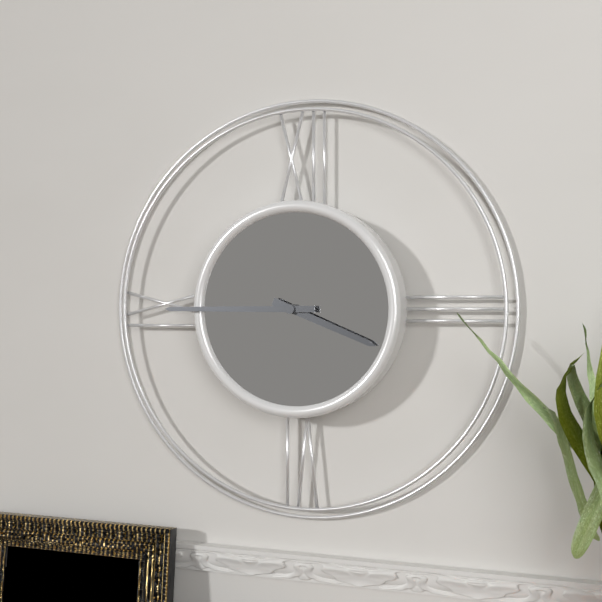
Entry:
3.45
